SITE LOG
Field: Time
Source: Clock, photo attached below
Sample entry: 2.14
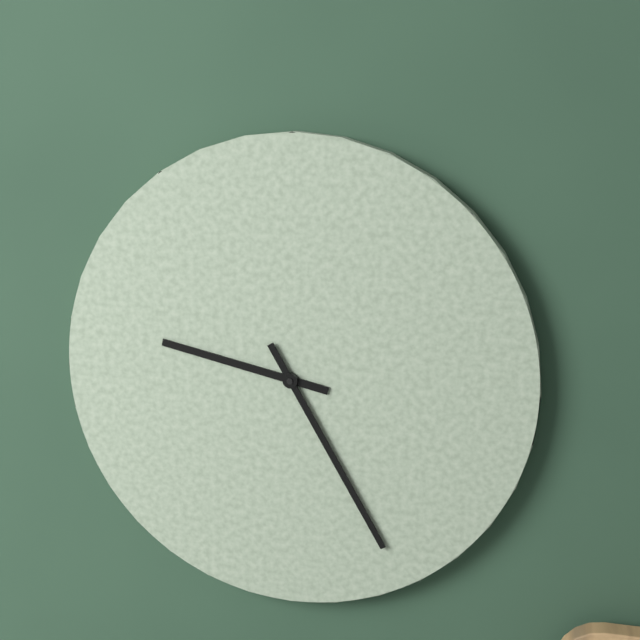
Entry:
9.25
